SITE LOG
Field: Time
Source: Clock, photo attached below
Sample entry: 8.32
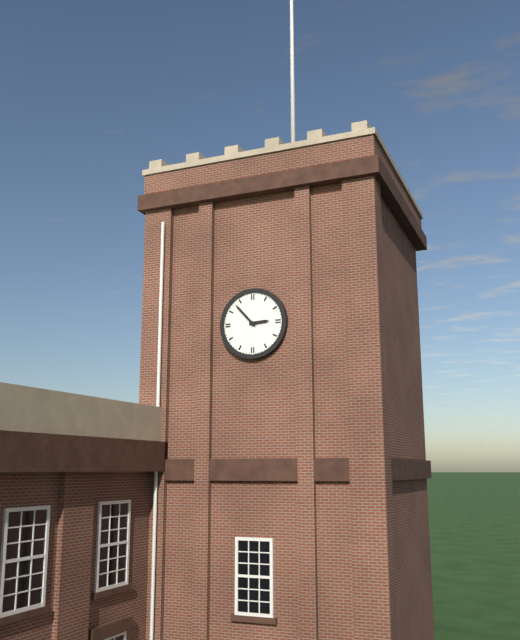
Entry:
2.53
